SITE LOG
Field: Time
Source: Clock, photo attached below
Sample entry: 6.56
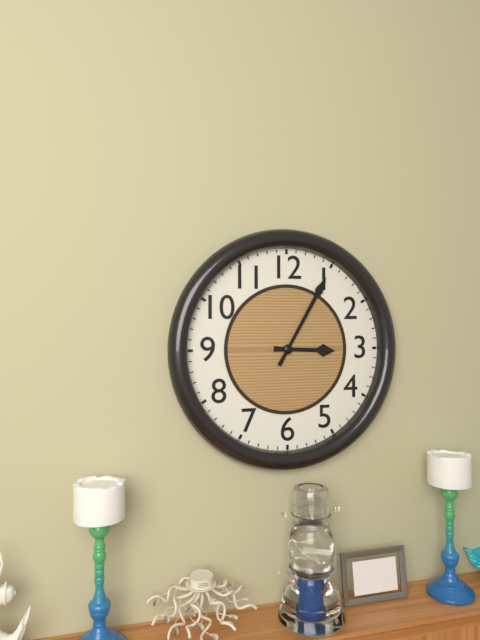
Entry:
3.05
